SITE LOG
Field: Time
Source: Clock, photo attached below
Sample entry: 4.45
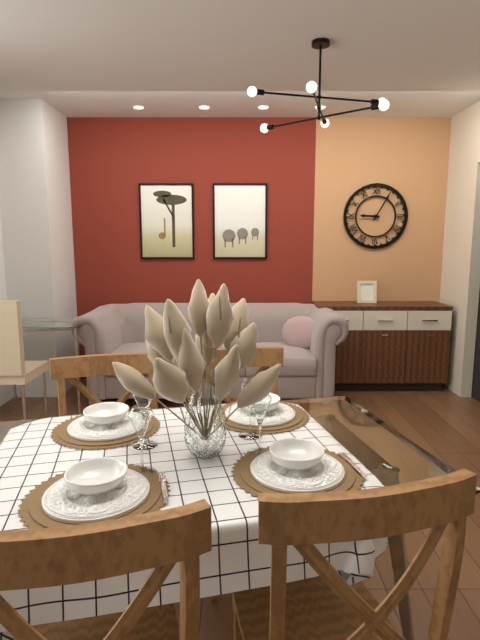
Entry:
9.05
